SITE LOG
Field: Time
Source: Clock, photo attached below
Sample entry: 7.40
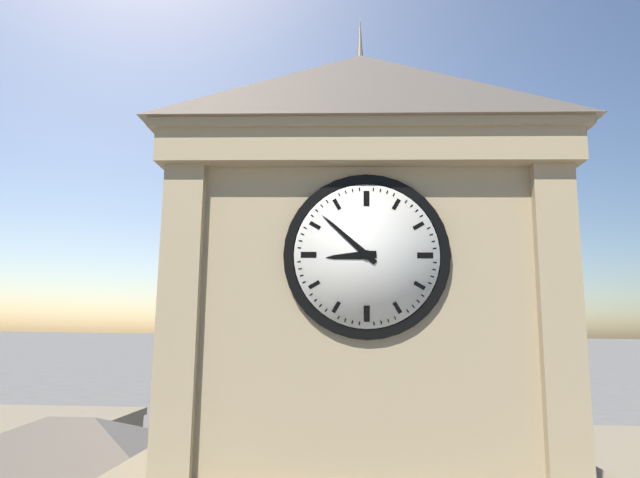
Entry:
8.52
